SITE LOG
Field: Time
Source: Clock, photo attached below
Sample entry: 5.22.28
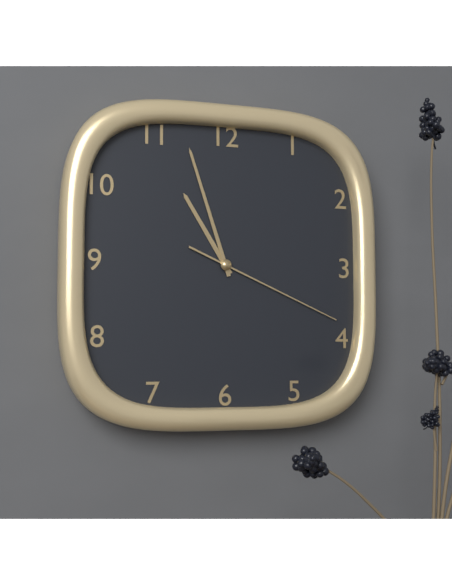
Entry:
10.57.19
